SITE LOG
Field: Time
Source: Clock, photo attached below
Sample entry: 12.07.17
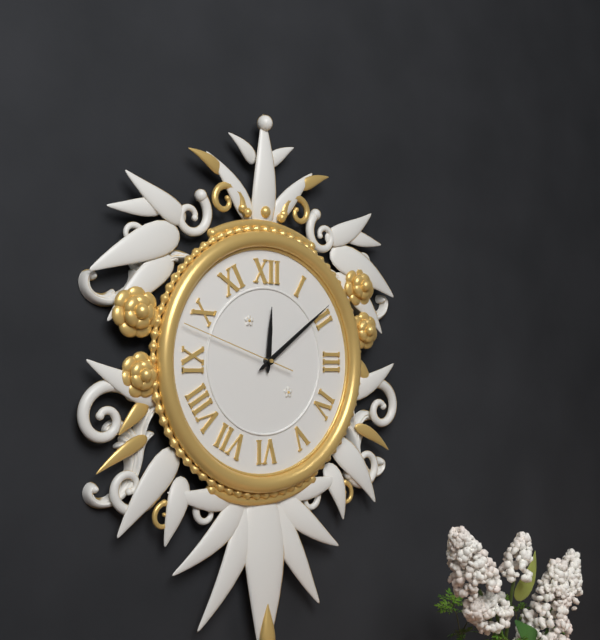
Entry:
12.09.48
